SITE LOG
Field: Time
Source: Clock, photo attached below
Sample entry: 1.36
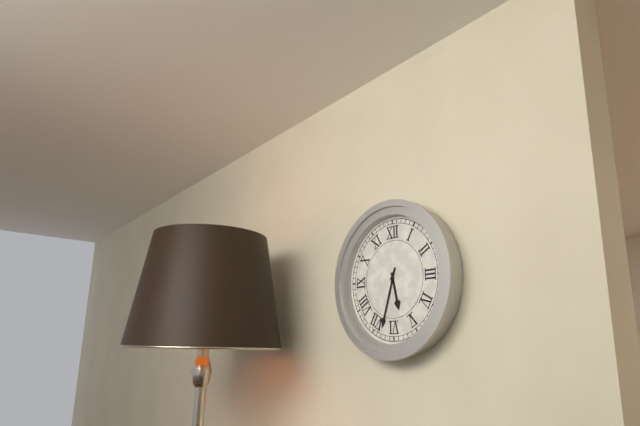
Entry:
5.33
